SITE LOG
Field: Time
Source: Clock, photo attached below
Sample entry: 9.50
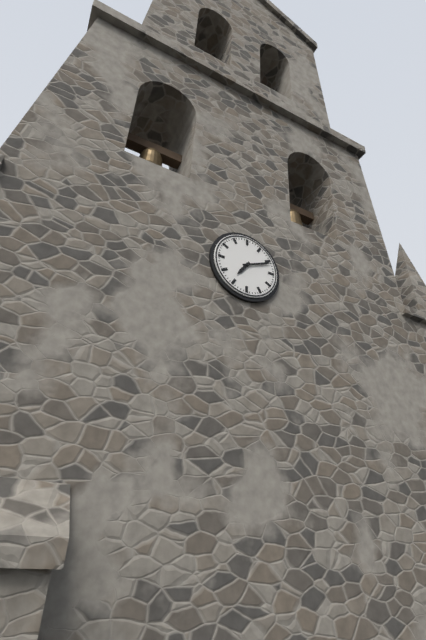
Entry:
7.11
